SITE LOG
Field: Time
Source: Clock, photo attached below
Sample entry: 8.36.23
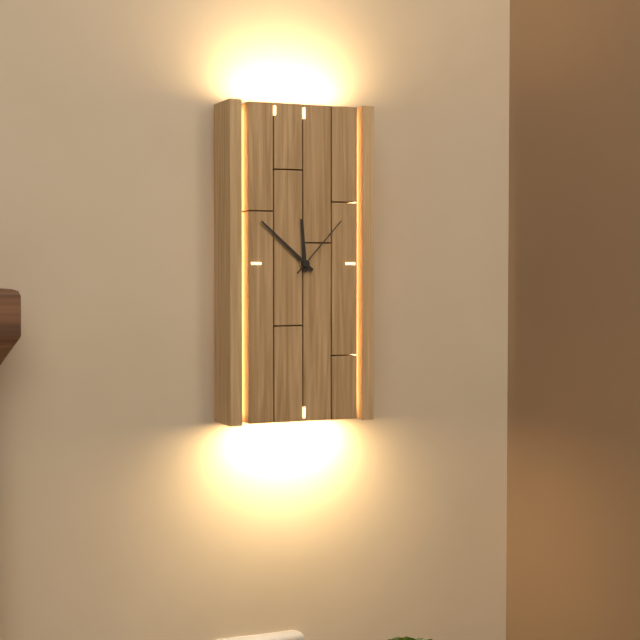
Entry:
11.52.07
